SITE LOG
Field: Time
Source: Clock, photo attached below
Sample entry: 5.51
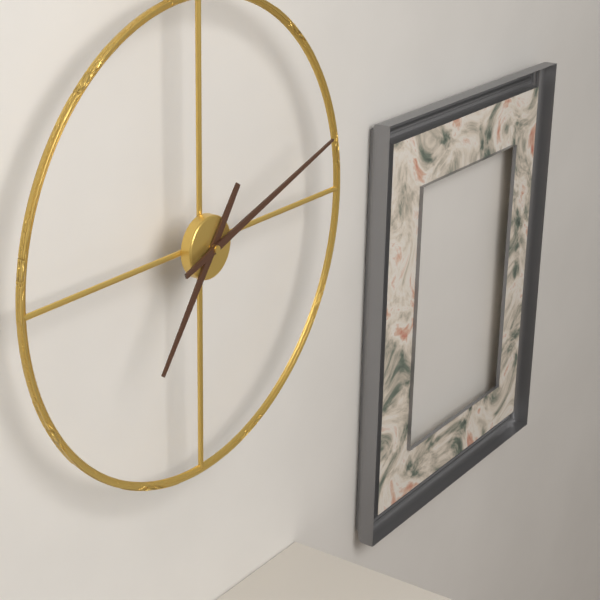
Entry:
7.12
